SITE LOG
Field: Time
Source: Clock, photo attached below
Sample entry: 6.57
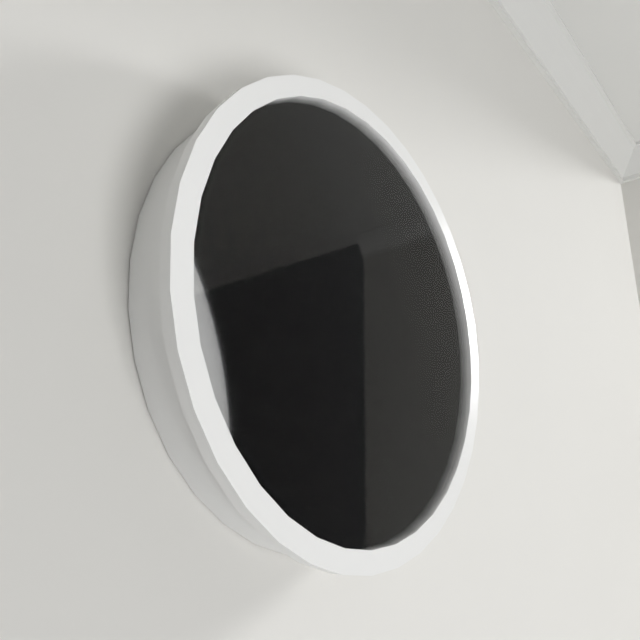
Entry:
8.24
